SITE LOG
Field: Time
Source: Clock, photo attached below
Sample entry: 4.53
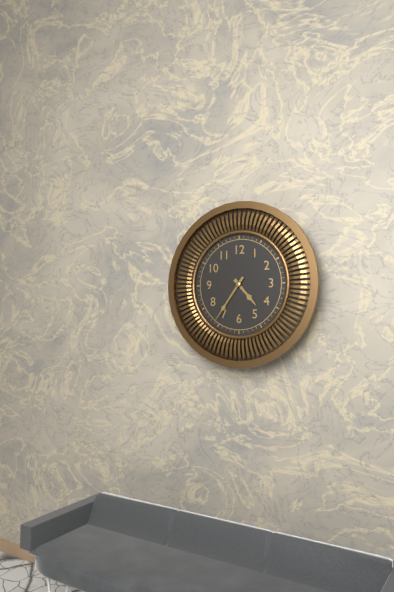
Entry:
4.36
